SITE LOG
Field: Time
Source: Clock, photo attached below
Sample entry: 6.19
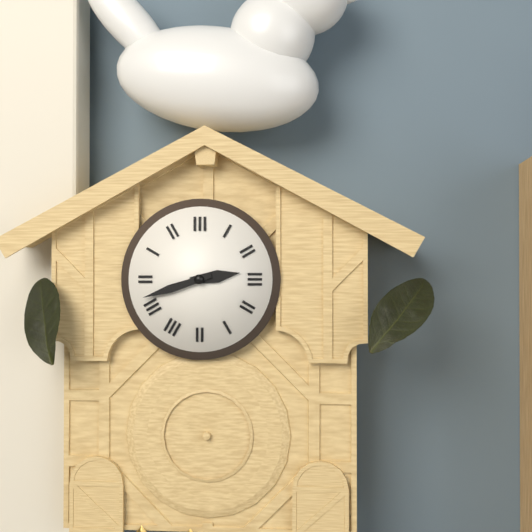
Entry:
2.42
